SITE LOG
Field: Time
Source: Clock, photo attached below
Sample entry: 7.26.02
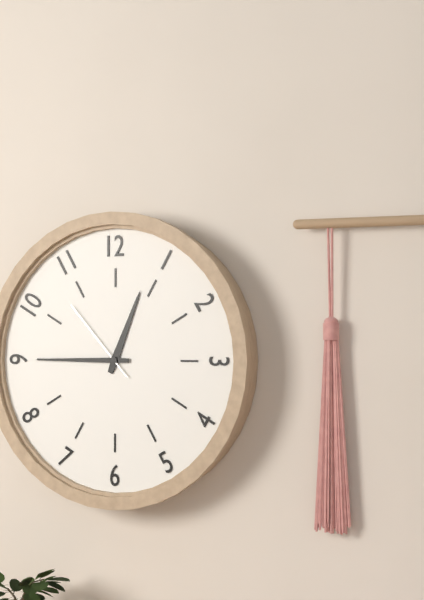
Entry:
12.45.53
